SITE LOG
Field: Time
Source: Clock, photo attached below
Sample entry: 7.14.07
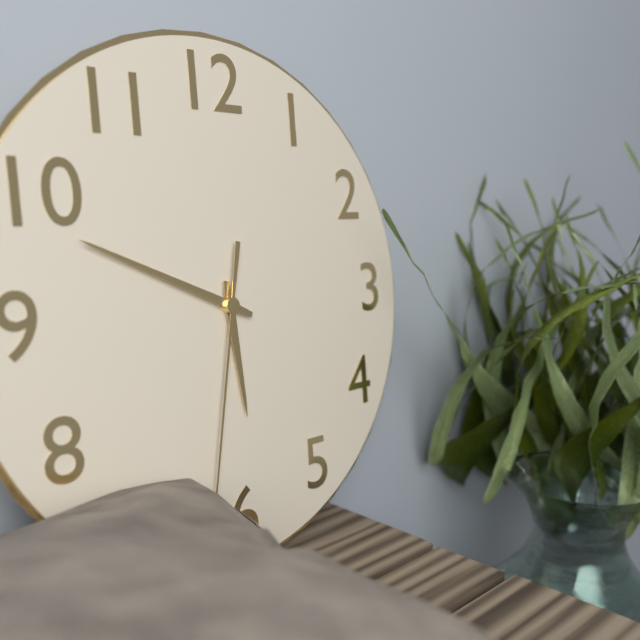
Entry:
5.49.32
